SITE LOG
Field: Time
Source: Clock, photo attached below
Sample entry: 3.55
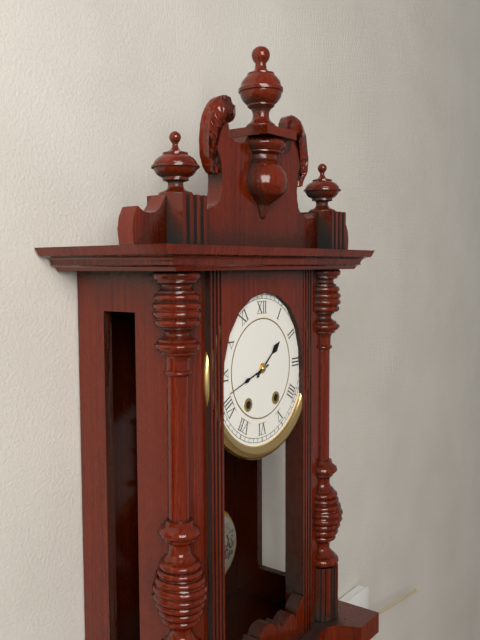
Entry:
1.42
